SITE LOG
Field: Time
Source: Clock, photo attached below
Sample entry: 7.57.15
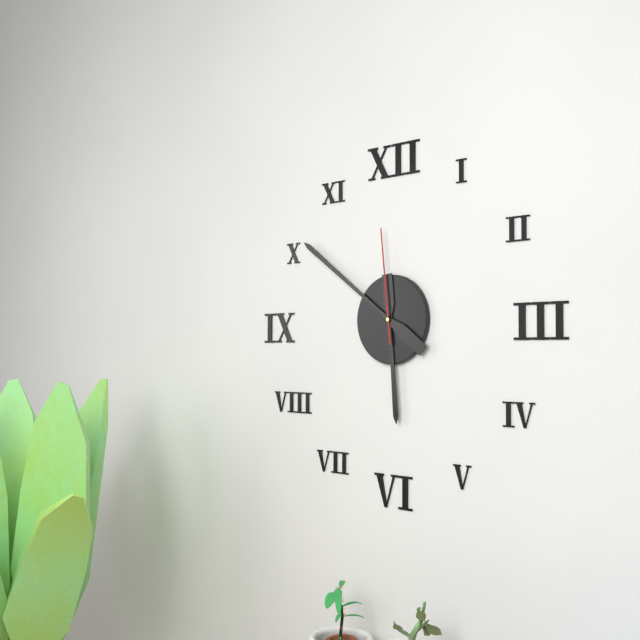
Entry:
5.51.59
